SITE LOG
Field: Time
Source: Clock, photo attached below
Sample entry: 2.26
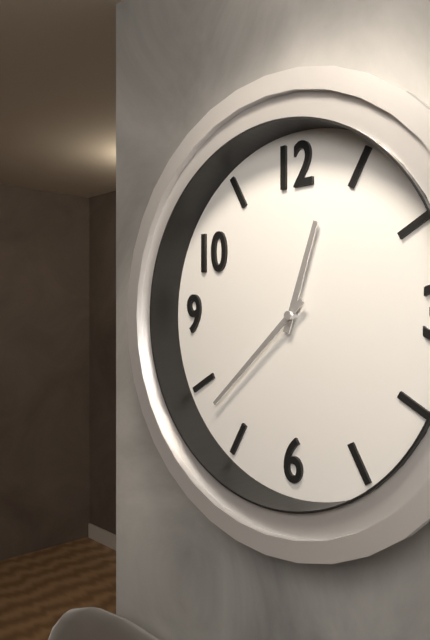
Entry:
12.38
